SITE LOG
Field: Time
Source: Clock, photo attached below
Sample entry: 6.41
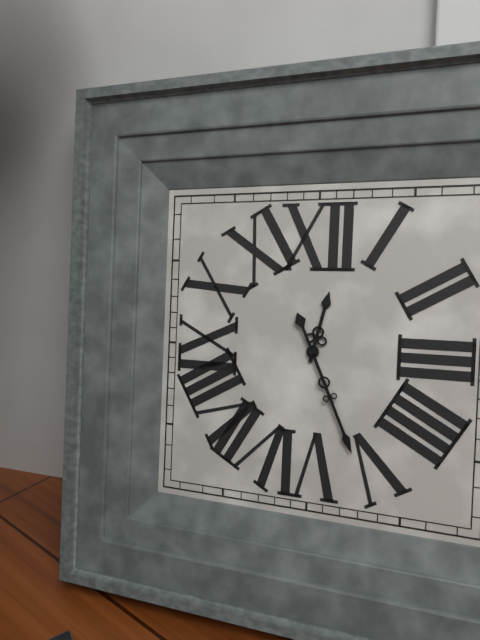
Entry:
12.26
